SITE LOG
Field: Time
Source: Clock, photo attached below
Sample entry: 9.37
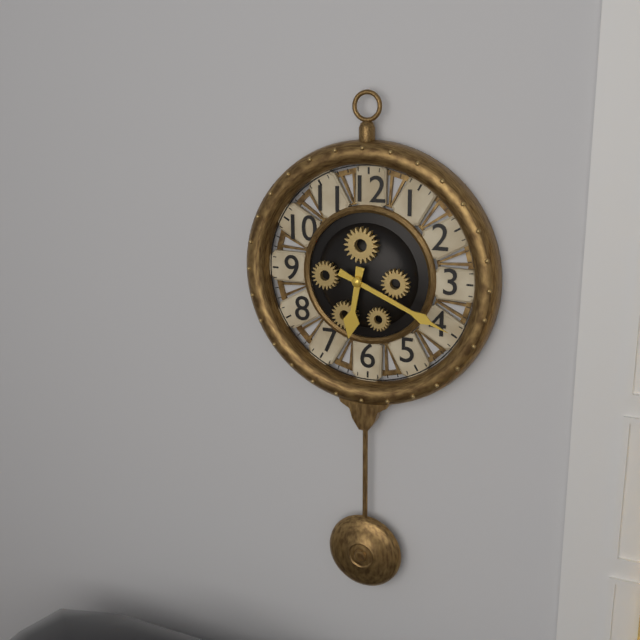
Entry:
6.19
